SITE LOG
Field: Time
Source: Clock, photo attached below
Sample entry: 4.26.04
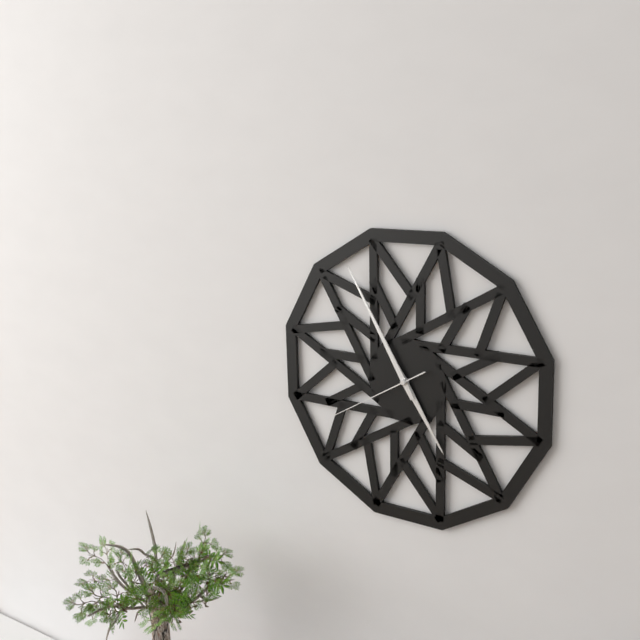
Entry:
4.55.40
